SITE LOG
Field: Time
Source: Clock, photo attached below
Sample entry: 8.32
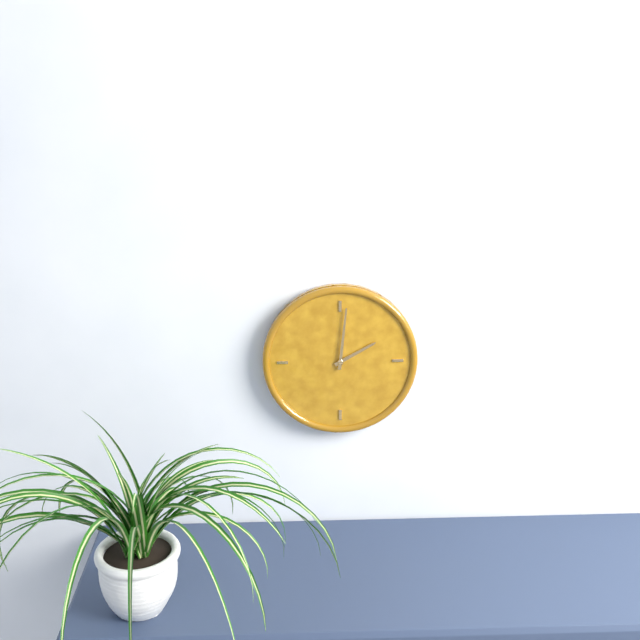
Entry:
2.01
